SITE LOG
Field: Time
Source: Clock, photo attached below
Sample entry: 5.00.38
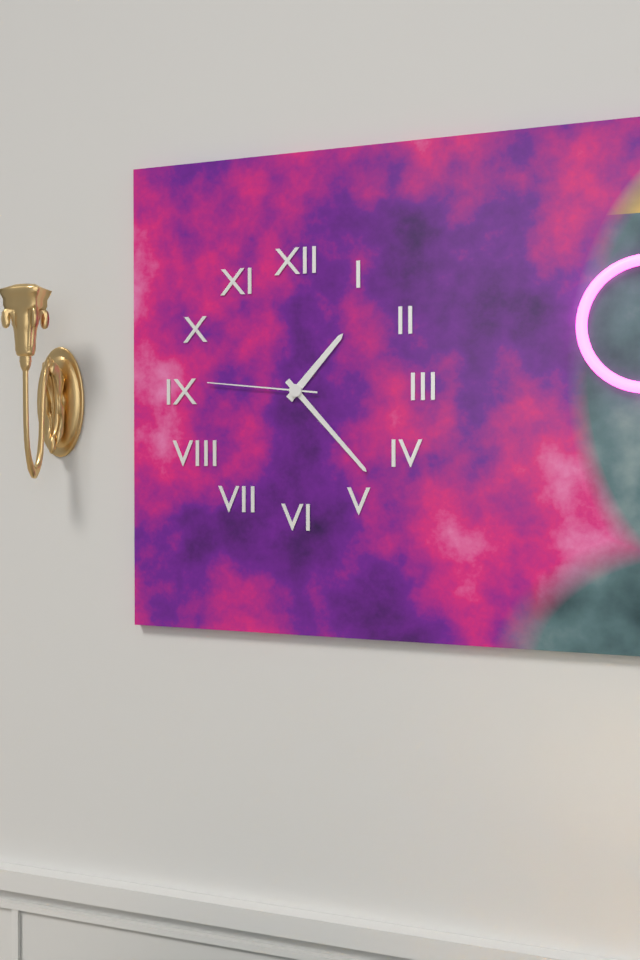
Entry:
1.23.46
